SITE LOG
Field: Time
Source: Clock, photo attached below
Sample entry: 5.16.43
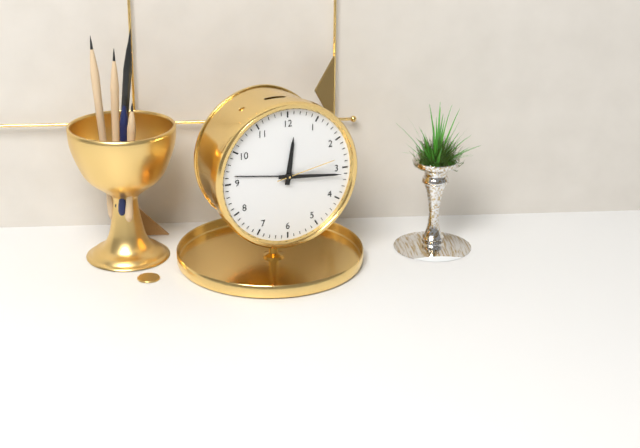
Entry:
12.16.13
